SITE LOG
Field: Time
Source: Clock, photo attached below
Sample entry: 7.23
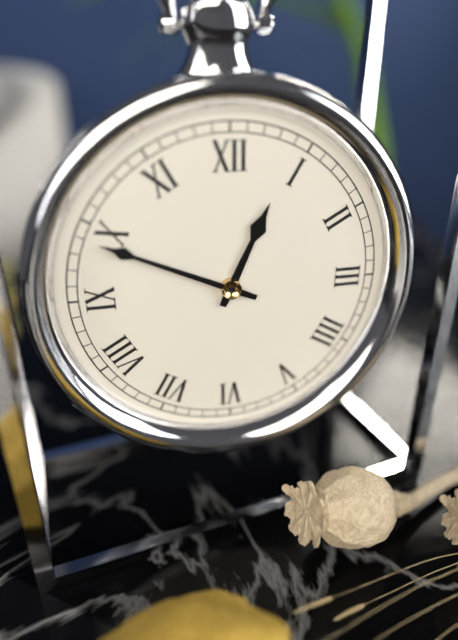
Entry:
12.49
